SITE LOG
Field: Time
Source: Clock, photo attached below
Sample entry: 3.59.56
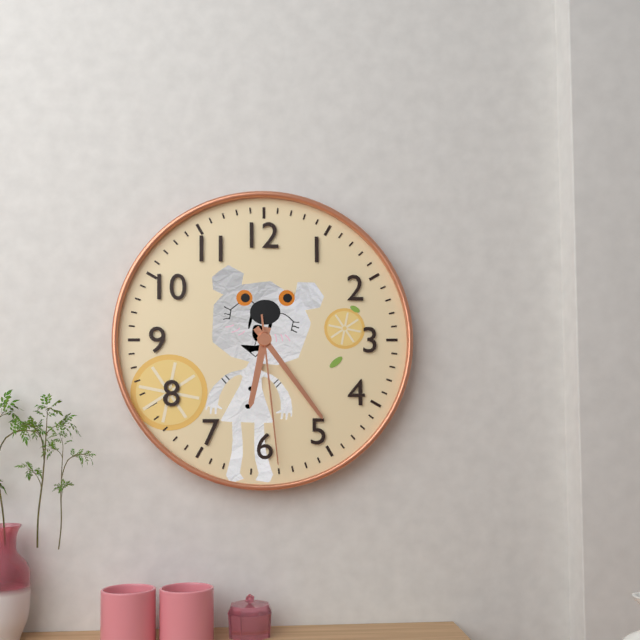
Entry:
6.24.29
